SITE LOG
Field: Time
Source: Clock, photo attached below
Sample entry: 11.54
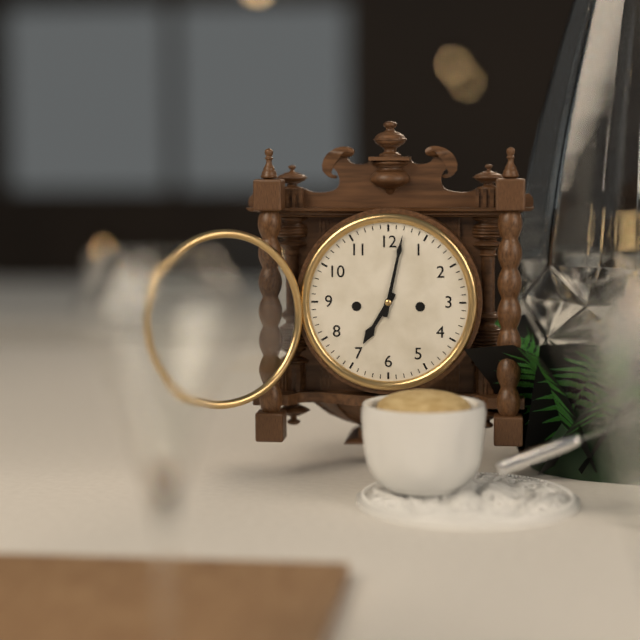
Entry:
7.02
